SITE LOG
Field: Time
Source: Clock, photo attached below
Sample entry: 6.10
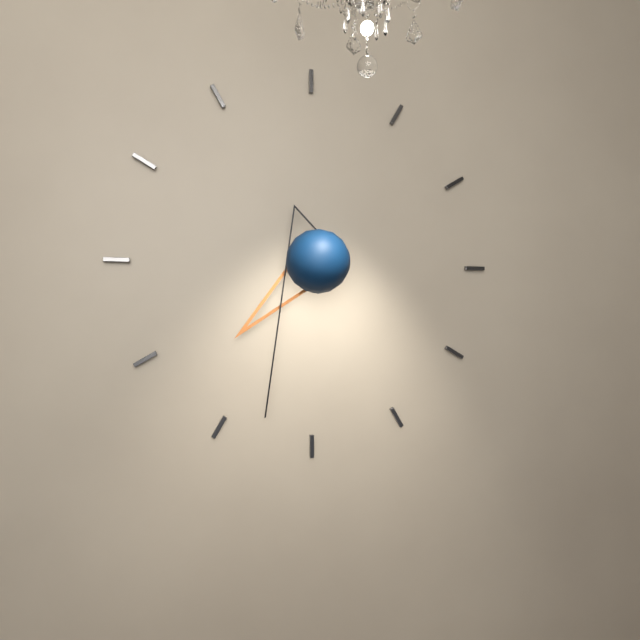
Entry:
7.33
